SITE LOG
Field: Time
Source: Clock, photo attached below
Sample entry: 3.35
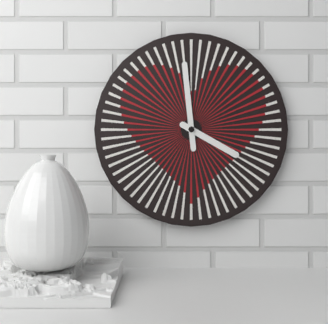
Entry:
3.59
